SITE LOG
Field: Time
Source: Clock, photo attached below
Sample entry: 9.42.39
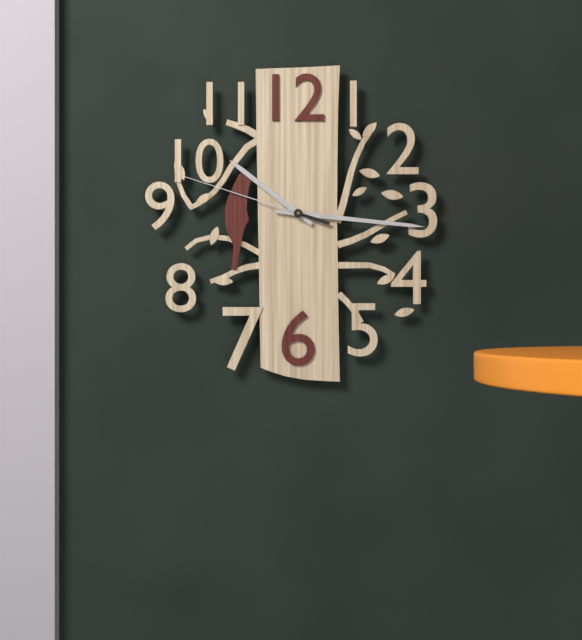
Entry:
10.16.48
